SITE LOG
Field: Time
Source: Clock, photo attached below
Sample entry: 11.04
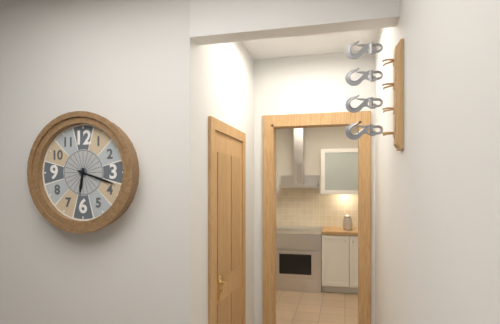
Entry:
6.18
